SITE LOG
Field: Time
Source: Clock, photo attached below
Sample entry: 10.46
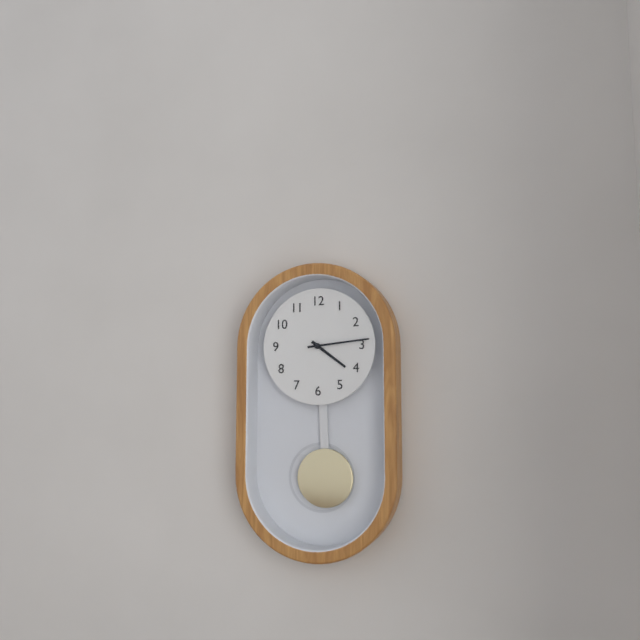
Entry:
4.14
